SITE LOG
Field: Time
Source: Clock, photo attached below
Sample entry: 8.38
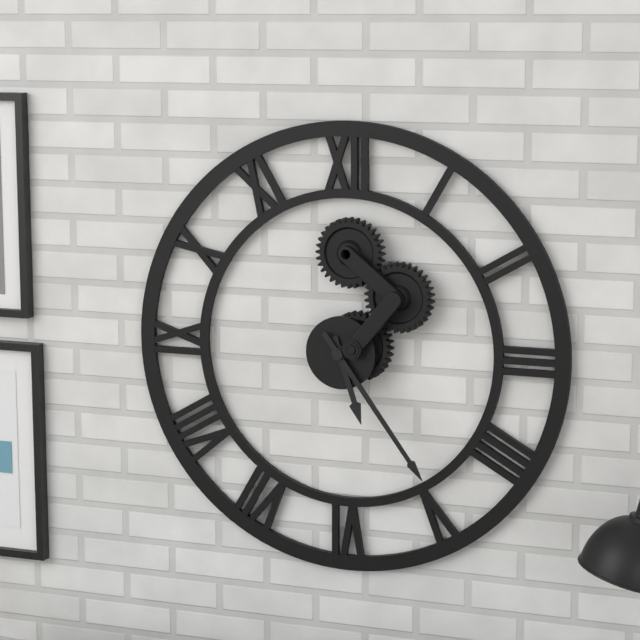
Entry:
5.24
